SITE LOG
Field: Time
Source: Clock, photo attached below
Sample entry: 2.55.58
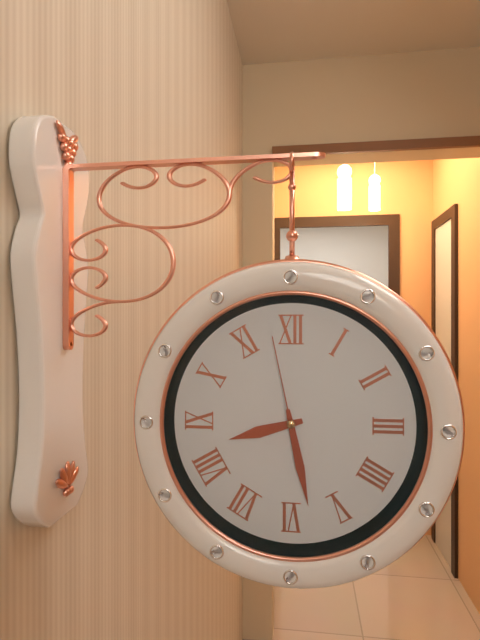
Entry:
8.28.58
